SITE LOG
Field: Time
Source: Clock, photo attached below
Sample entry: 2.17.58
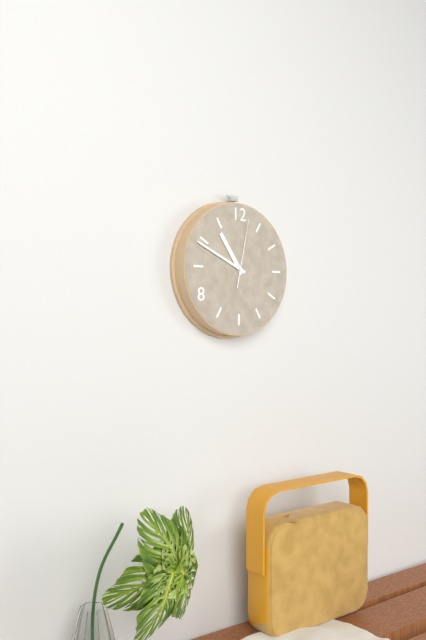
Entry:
10.49.02
